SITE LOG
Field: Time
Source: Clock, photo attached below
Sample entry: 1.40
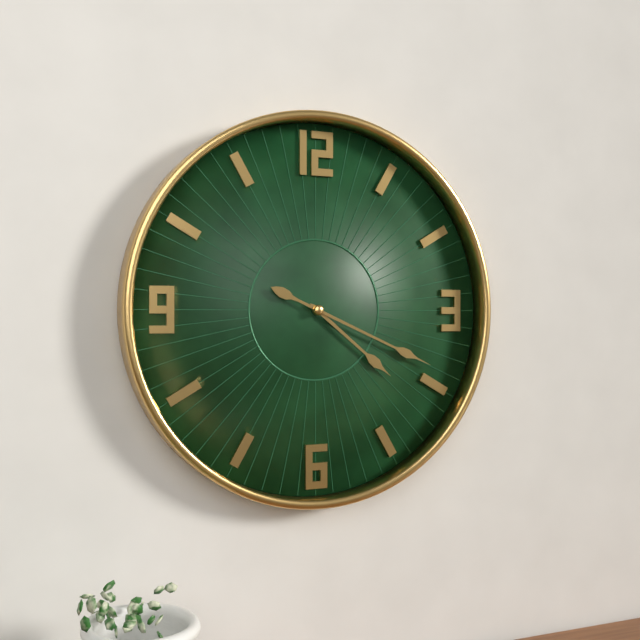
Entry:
4.19
